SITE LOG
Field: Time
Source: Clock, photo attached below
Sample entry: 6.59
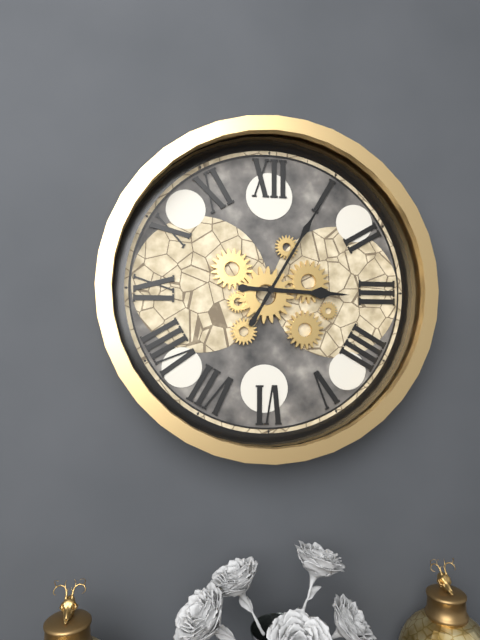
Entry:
3.05
